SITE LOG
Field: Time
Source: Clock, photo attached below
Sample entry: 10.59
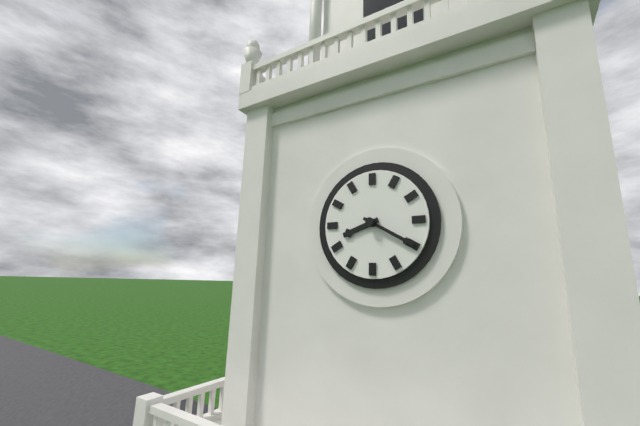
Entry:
8.20
